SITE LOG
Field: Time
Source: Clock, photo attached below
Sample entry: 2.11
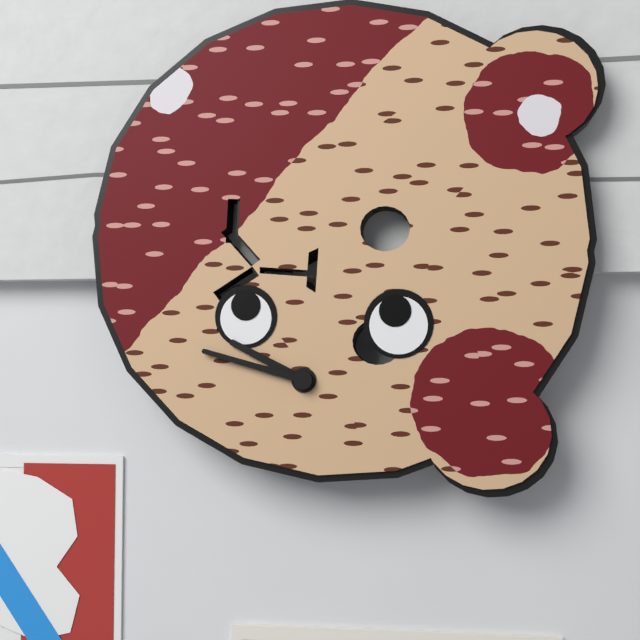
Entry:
9.47
